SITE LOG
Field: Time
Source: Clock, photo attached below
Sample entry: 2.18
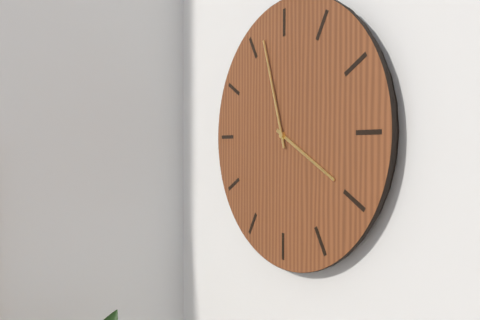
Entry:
3.57
